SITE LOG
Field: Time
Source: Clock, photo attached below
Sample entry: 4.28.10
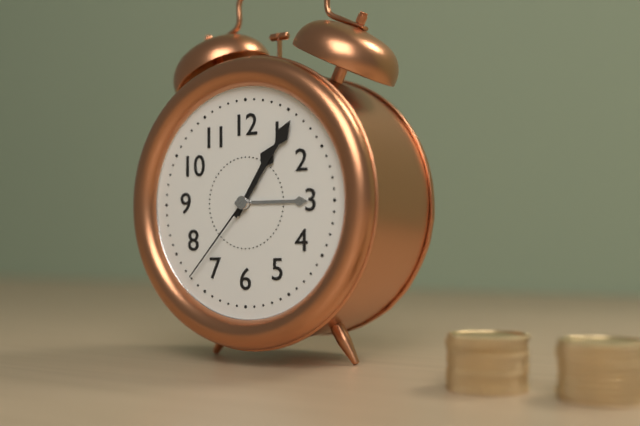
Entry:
1.06.37
